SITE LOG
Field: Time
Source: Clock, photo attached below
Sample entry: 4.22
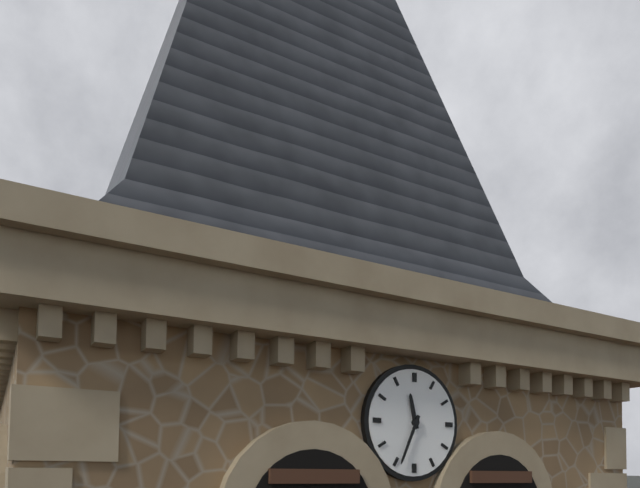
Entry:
11.34
